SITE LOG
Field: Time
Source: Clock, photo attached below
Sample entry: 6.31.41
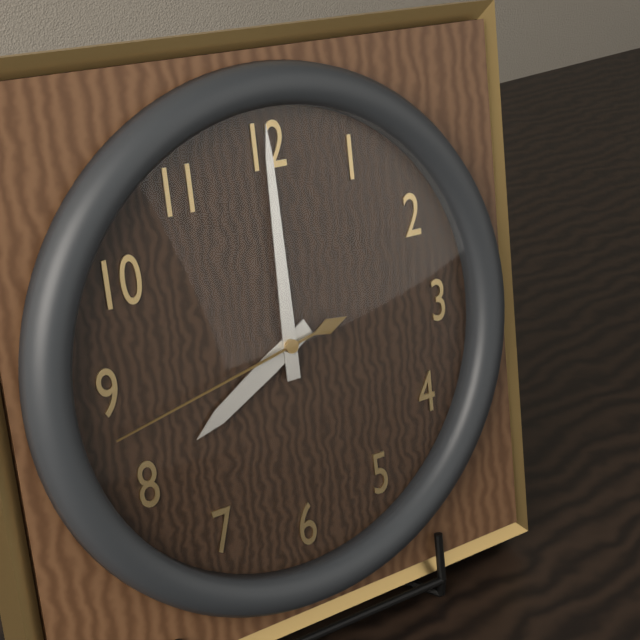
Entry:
8.00.43
